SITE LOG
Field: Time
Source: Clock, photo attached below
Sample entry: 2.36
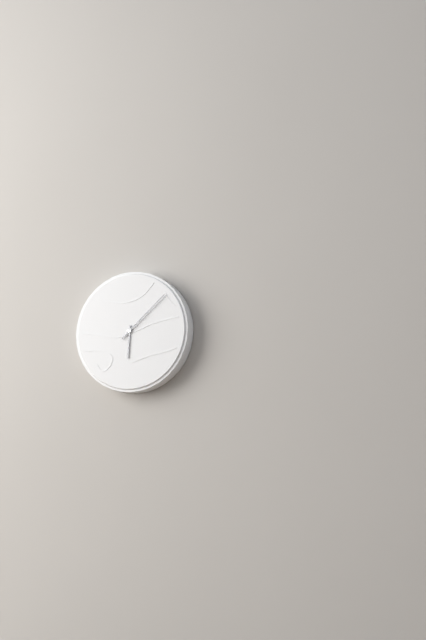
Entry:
6.08
